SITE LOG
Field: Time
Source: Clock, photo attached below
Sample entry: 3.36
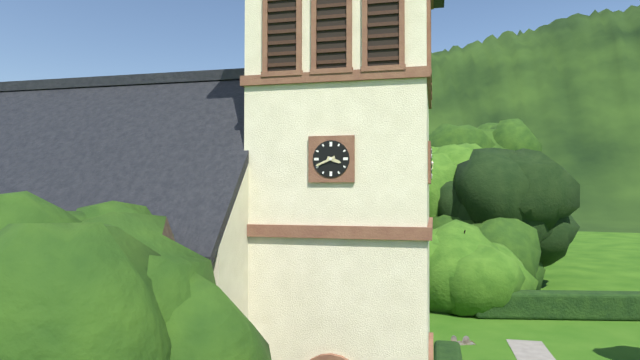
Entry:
3.41
